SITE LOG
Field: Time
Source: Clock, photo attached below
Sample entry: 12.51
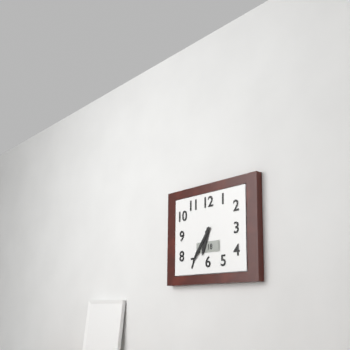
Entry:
6.36
